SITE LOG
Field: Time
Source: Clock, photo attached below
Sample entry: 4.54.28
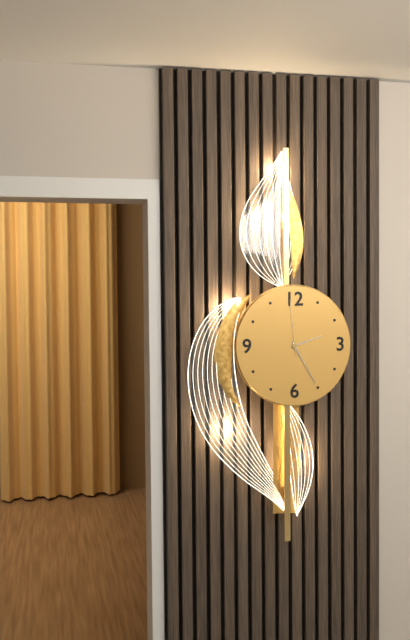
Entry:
2.25.59
